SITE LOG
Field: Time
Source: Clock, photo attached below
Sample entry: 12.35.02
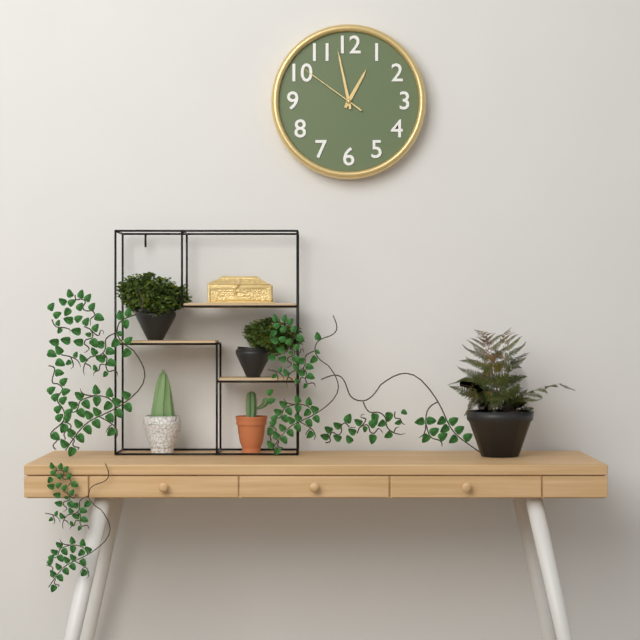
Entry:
12.58.51
